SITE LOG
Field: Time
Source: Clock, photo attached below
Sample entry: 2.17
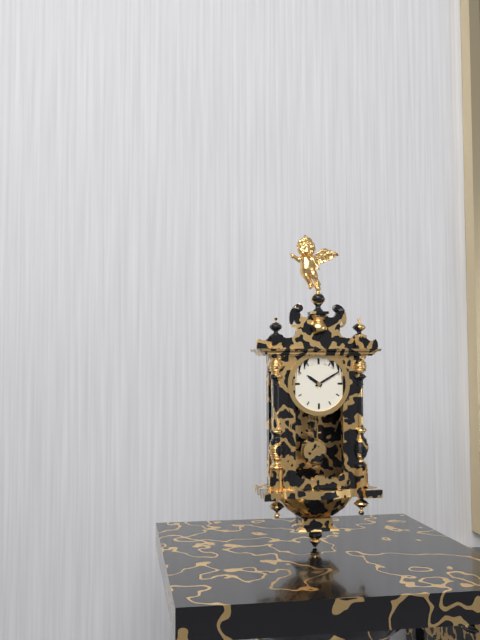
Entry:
10.10
